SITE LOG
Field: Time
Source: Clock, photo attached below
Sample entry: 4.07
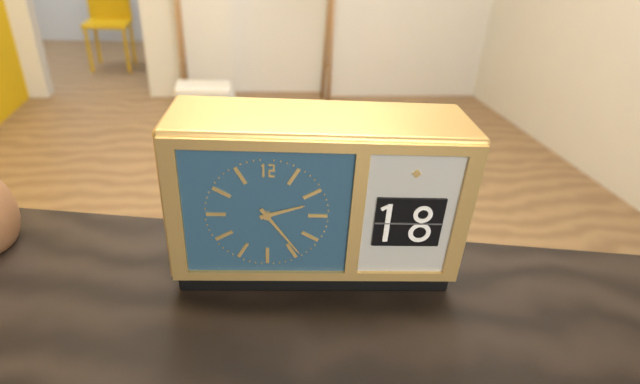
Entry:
2.24
